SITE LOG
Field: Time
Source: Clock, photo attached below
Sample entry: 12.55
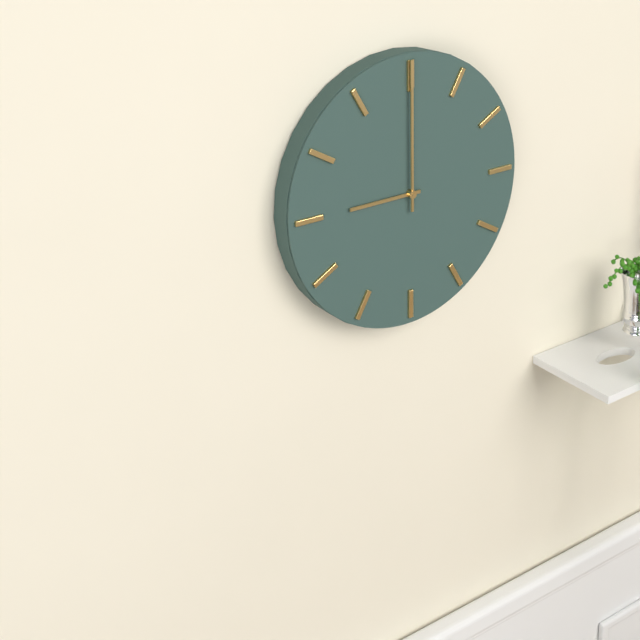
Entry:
9.00
